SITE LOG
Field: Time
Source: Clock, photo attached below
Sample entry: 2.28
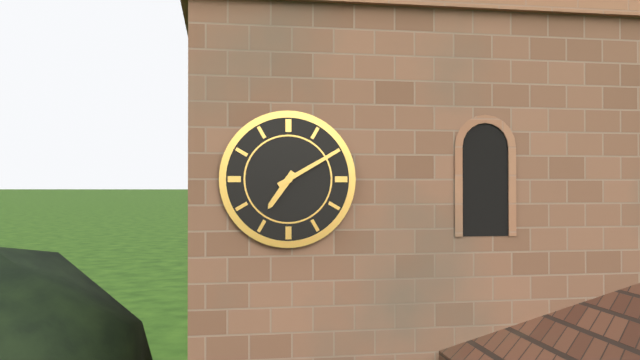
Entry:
7.10
